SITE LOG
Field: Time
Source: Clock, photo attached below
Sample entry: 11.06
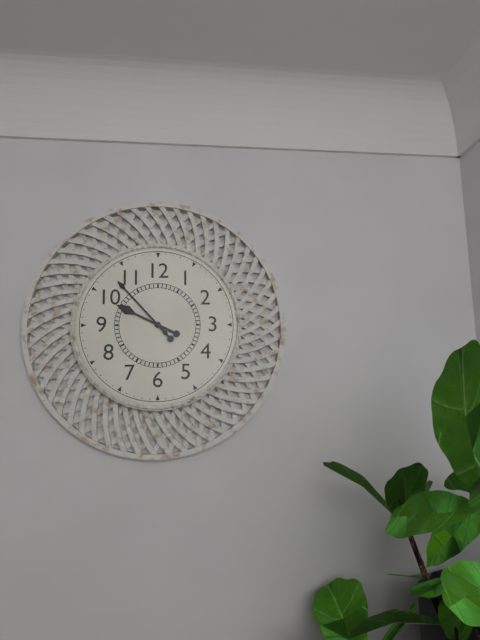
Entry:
9.53
